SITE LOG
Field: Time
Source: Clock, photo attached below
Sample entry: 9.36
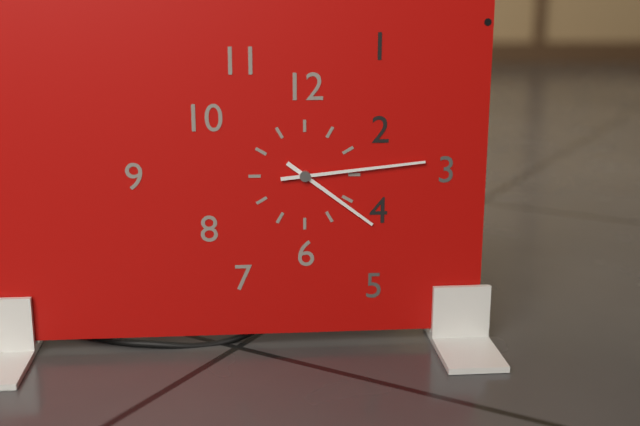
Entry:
4.14
